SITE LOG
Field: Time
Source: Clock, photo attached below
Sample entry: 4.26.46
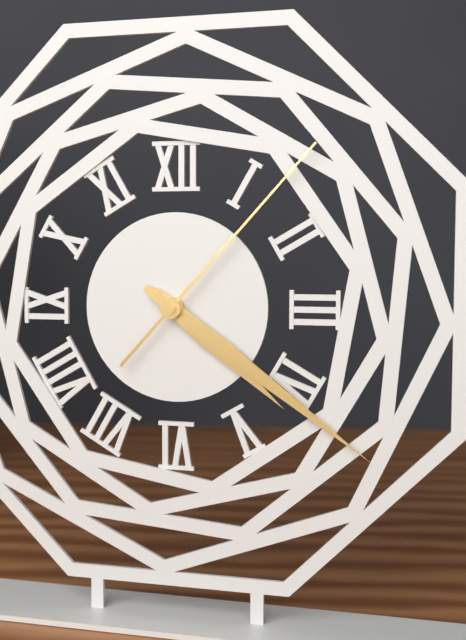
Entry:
4.21.07
